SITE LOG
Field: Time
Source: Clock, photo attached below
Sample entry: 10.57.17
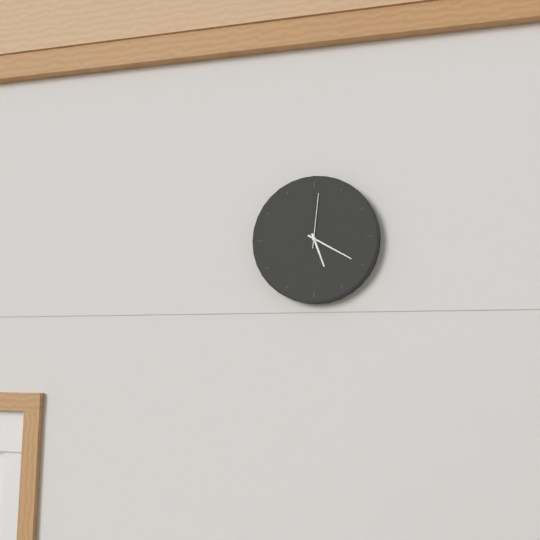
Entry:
5.20.01
